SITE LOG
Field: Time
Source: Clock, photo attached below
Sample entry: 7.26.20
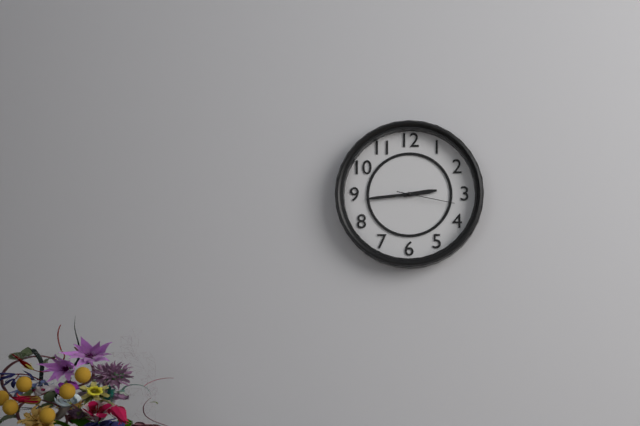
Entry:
2.44.17
